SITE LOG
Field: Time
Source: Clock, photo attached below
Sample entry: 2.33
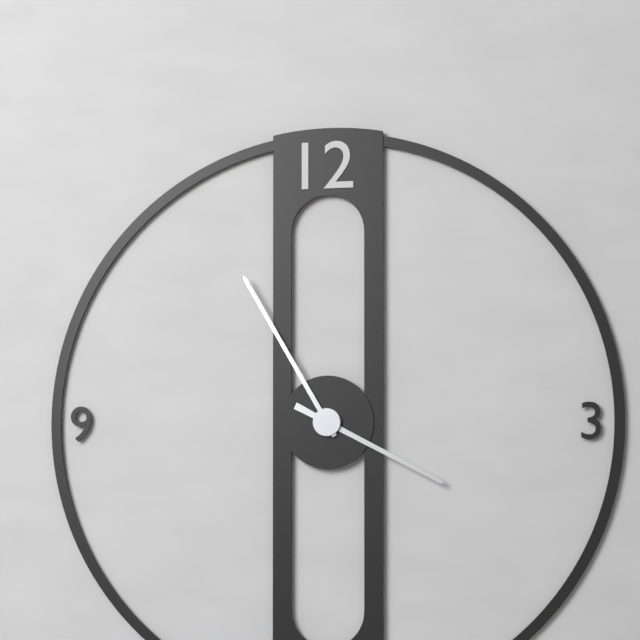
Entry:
3.55
